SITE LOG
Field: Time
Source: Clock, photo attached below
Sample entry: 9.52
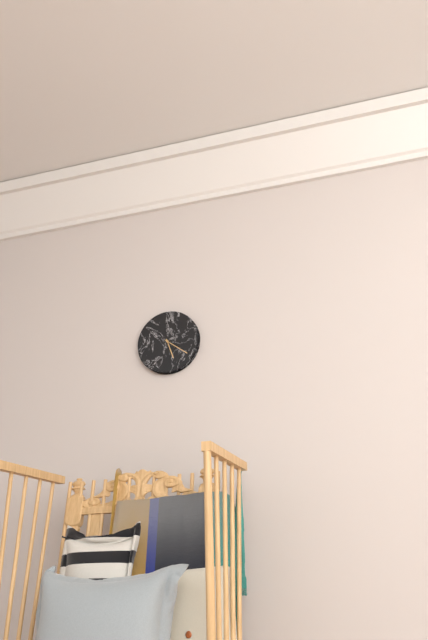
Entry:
5.21
